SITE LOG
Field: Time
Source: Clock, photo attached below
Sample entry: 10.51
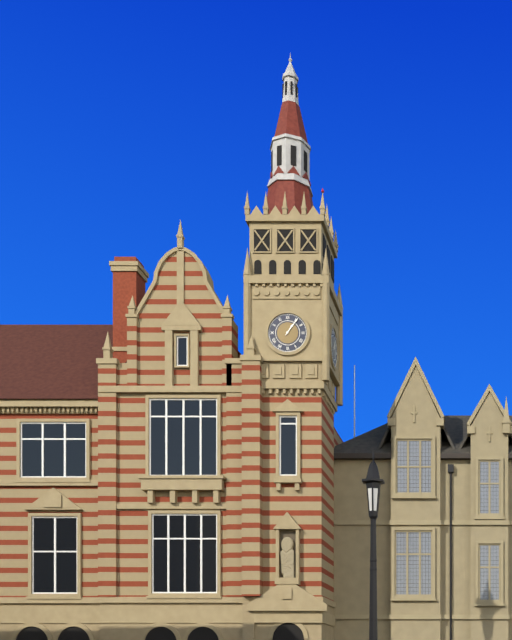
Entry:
1.06
